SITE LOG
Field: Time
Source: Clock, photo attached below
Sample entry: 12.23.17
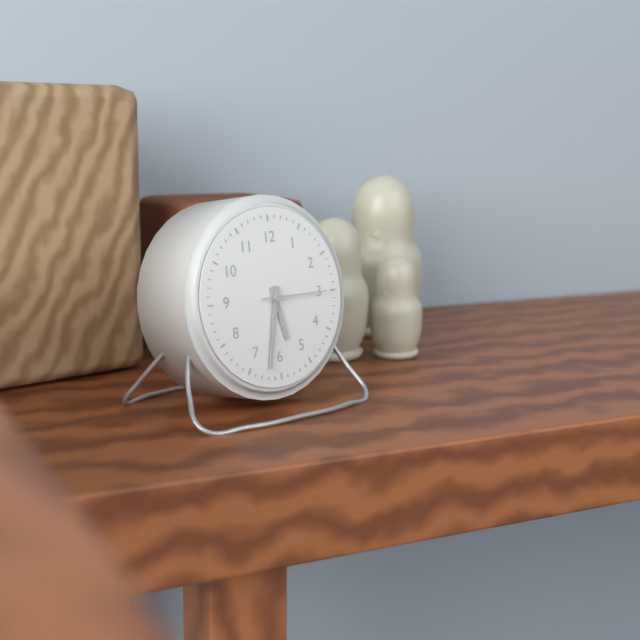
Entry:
5.32.15
